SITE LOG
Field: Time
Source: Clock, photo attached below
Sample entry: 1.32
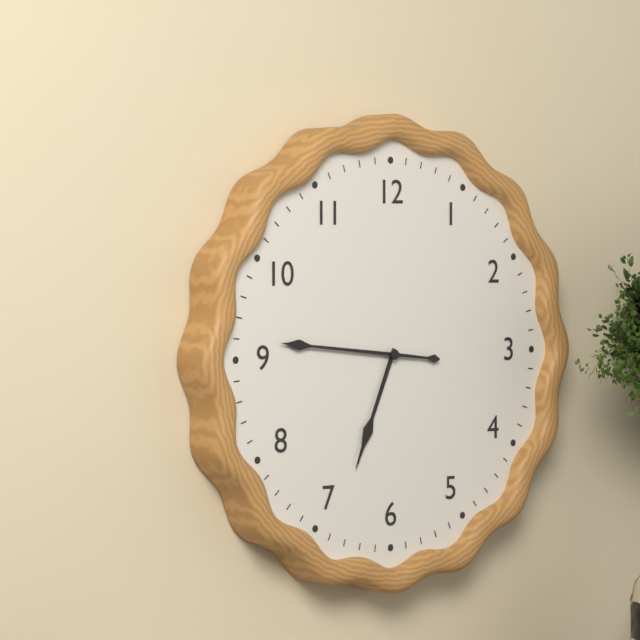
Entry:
6.46
